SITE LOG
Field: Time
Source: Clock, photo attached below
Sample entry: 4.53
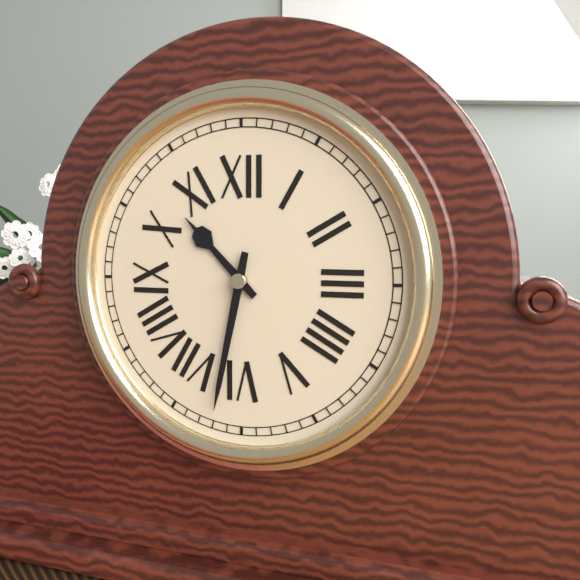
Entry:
10.32
